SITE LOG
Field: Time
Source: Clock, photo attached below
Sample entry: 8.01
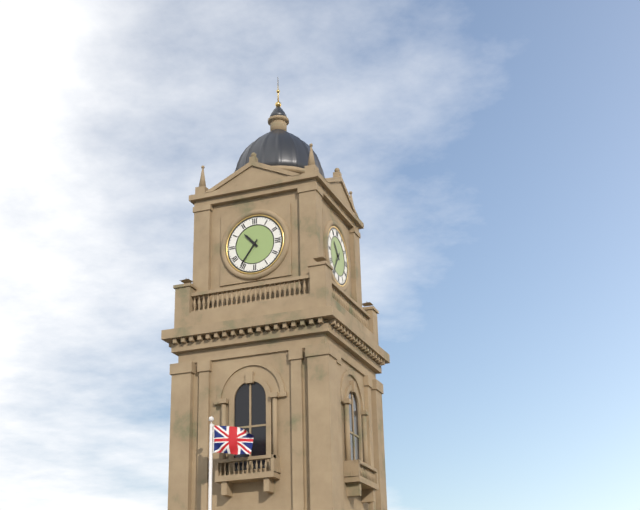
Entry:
10.36
